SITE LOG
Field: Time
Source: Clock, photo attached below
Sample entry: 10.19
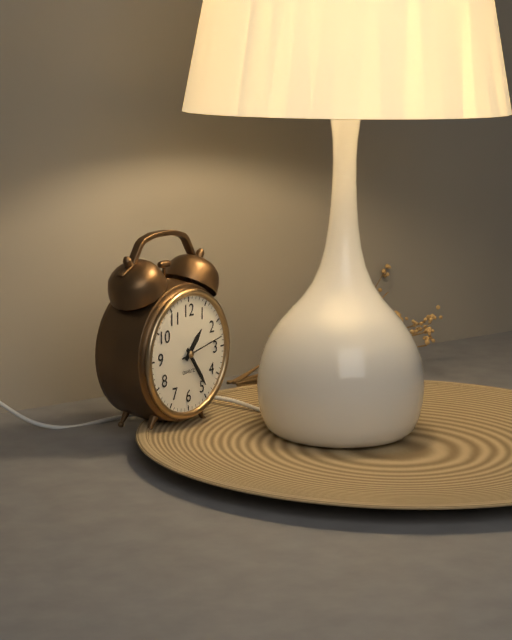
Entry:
1.24
